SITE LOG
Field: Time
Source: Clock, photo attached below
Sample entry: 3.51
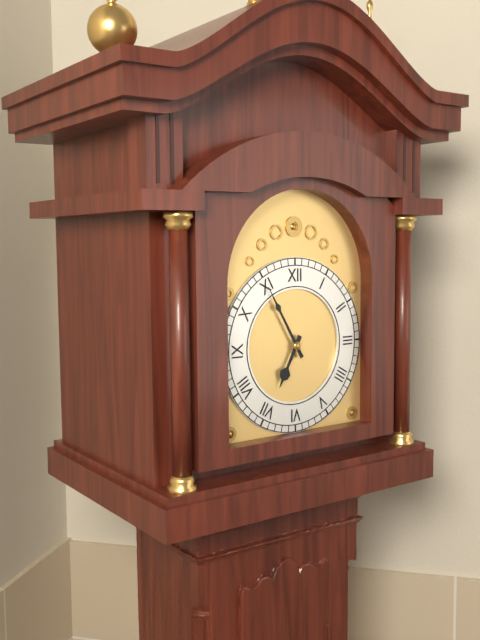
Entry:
6.55
